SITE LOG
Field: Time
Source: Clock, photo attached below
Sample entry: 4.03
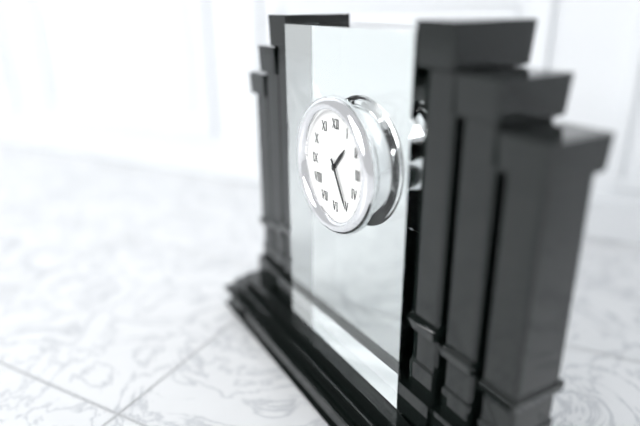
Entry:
1.25
